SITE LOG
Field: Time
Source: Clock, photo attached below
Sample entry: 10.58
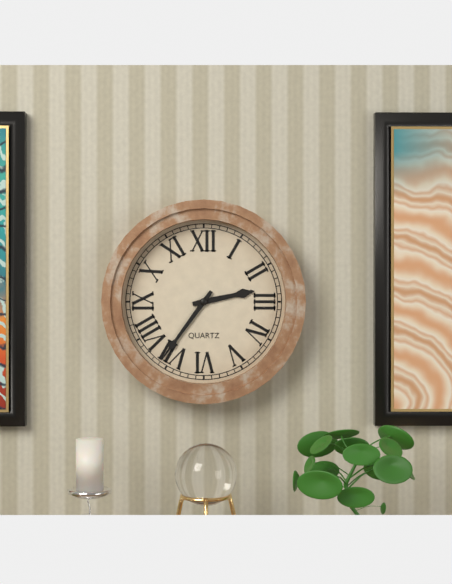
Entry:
2.36
